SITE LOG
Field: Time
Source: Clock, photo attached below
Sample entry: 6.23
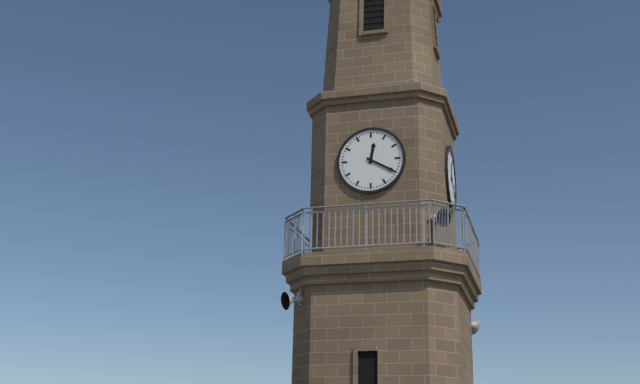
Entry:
12.20
